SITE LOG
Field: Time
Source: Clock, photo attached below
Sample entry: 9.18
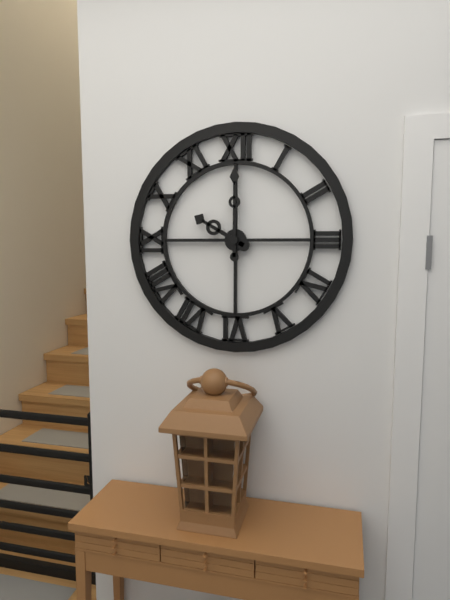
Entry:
10.00
